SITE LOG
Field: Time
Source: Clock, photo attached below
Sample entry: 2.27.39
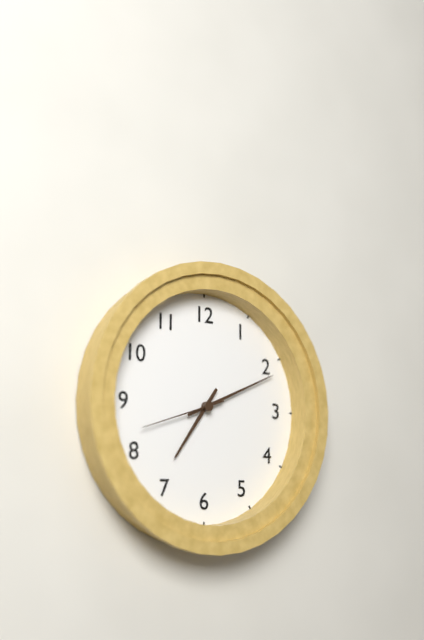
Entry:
7.11.42
